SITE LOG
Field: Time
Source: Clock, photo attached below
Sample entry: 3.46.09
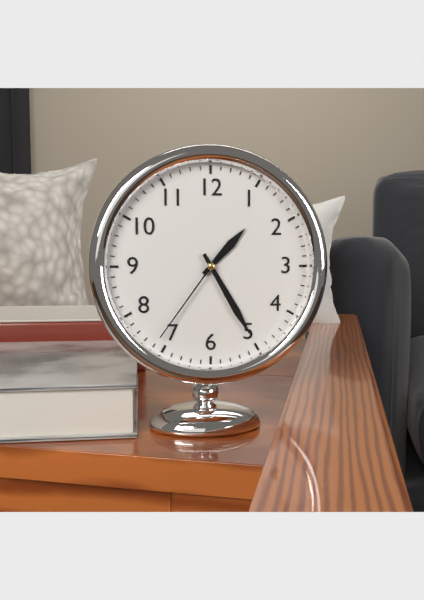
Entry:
1.25.36
